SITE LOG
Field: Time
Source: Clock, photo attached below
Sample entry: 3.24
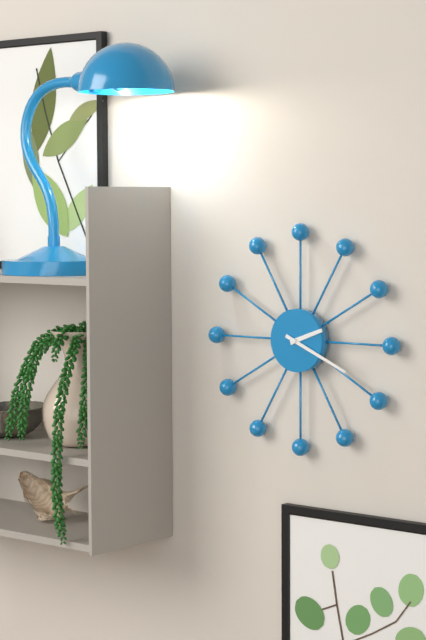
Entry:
2.19
